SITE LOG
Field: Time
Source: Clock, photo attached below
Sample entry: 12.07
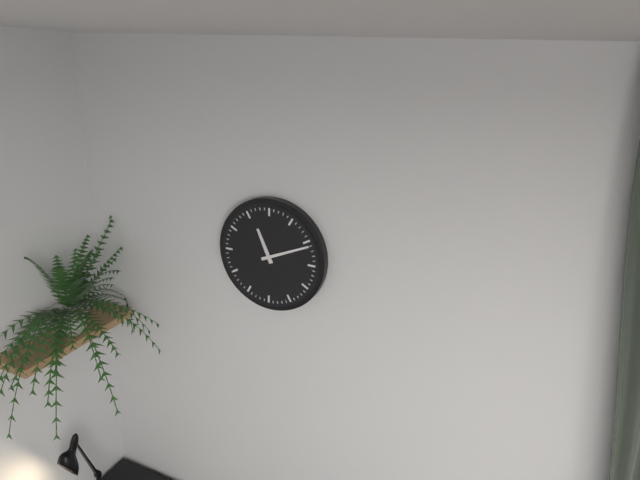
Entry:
11.11
